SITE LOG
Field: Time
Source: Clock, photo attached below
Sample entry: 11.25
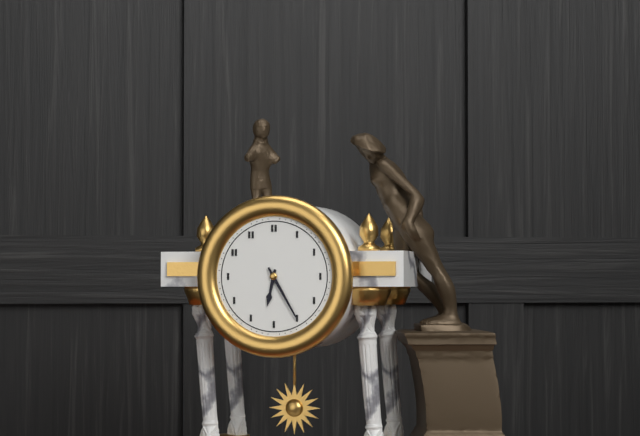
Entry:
6.25
